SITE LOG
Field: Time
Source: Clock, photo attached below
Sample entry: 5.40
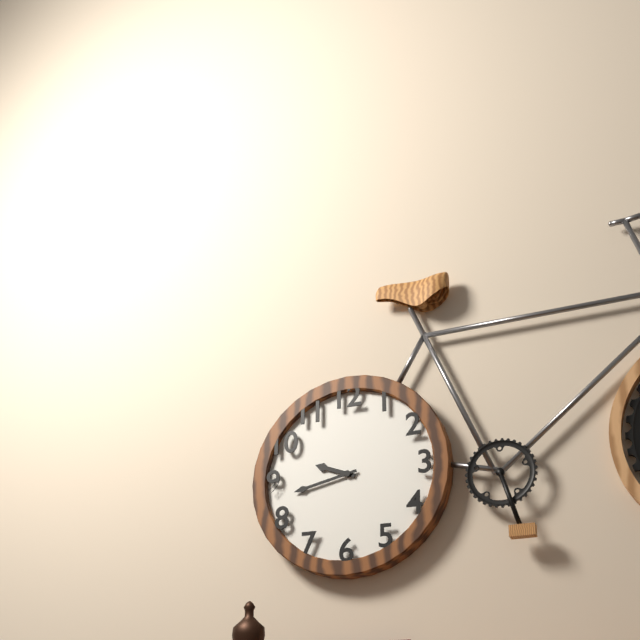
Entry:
9.43
